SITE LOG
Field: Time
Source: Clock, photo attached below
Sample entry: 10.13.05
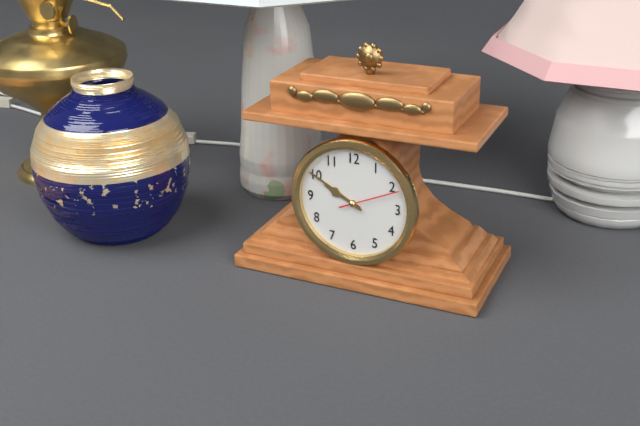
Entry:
9.50.11
